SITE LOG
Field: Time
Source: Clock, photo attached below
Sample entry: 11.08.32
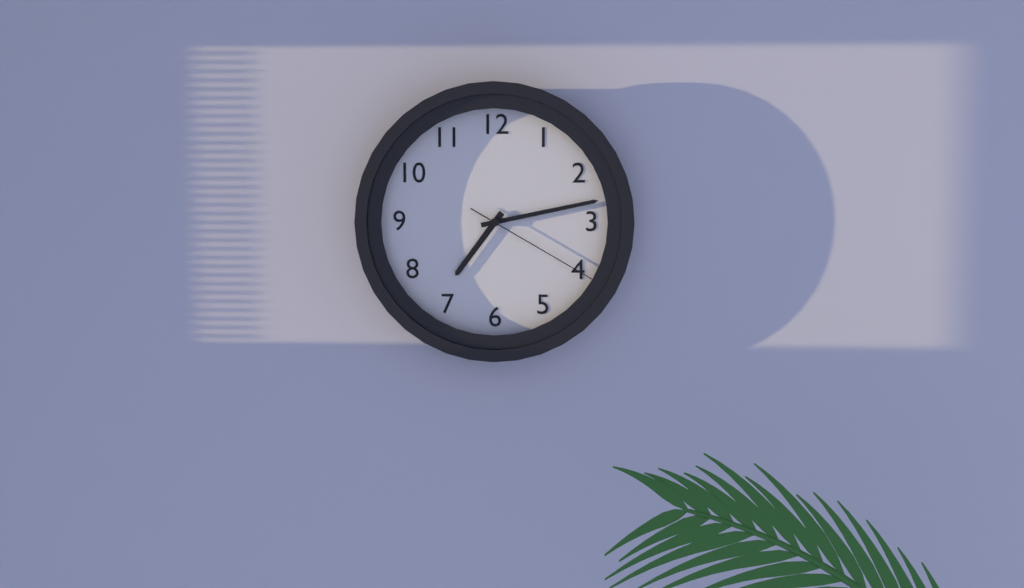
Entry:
7.13.20
